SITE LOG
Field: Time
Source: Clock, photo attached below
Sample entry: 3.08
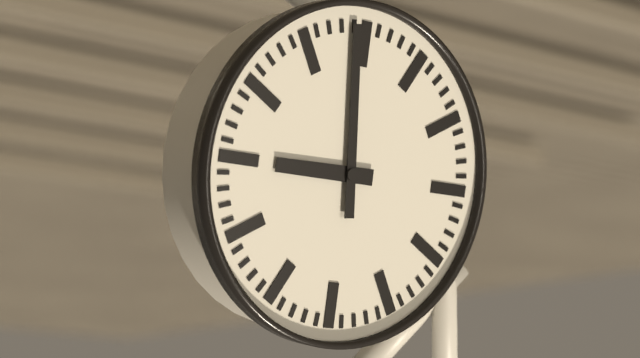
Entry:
8.59
